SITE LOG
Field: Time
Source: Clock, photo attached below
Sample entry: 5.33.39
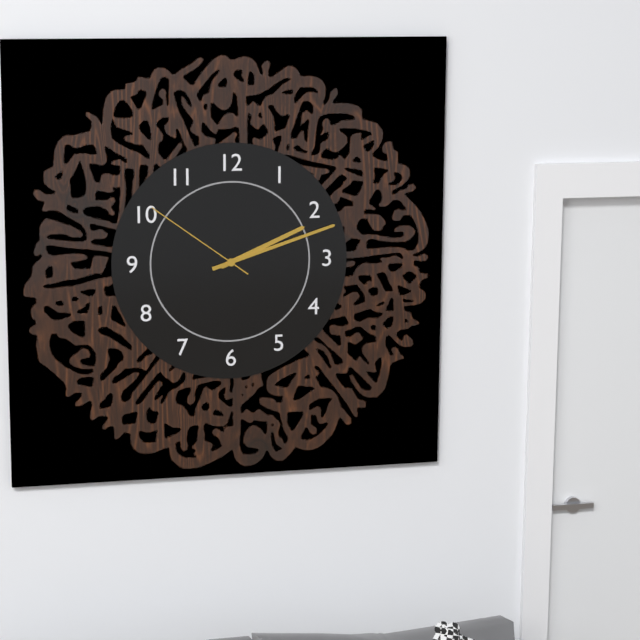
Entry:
2.12.51
